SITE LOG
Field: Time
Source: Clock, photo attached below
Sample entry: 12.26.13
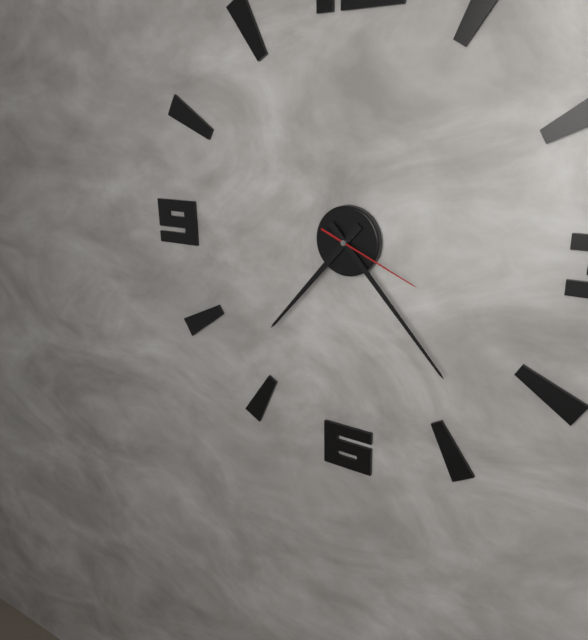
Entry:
7.23.19
